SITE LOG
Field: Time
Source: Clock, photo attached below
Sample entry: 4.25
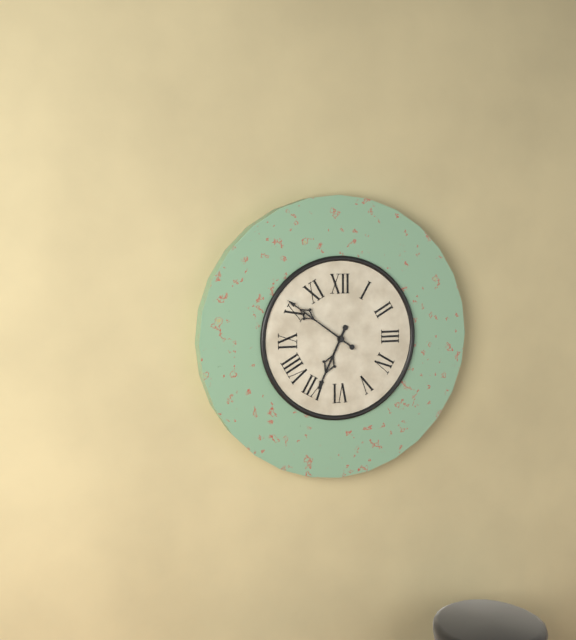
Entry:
6.51
